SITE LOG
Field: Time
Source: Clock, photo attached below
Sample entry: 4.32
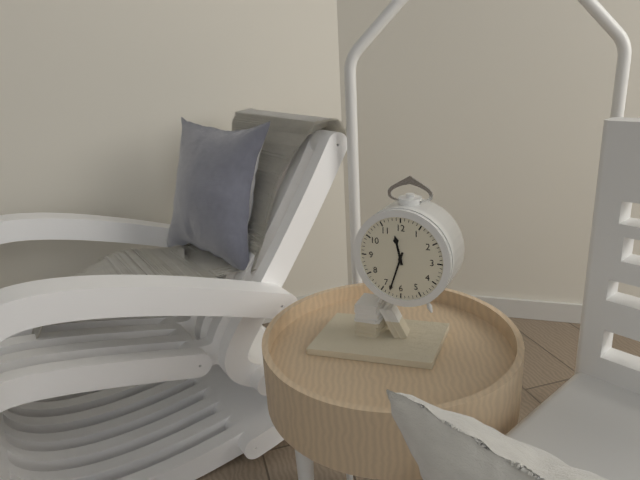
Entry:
11.33
